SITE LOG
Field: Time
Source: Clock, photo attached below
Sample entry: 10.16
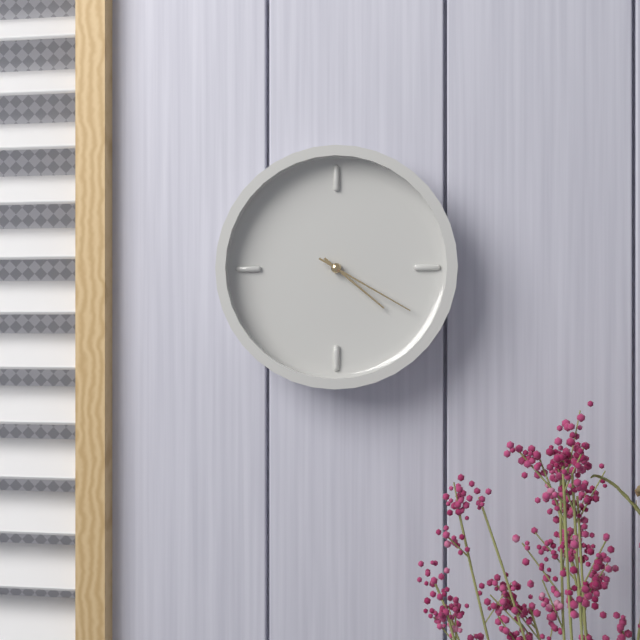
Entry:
4.20
